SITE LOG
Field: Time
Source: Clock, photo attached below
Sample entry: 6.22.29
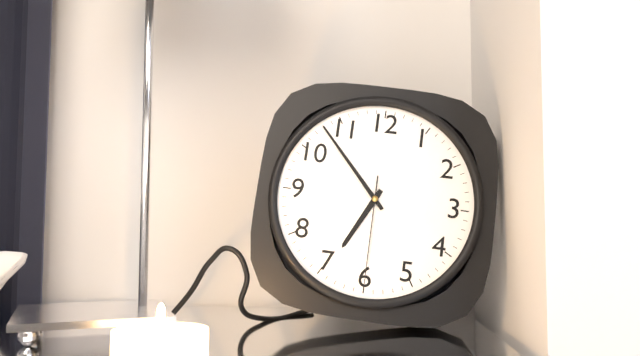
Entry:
6.53.30
